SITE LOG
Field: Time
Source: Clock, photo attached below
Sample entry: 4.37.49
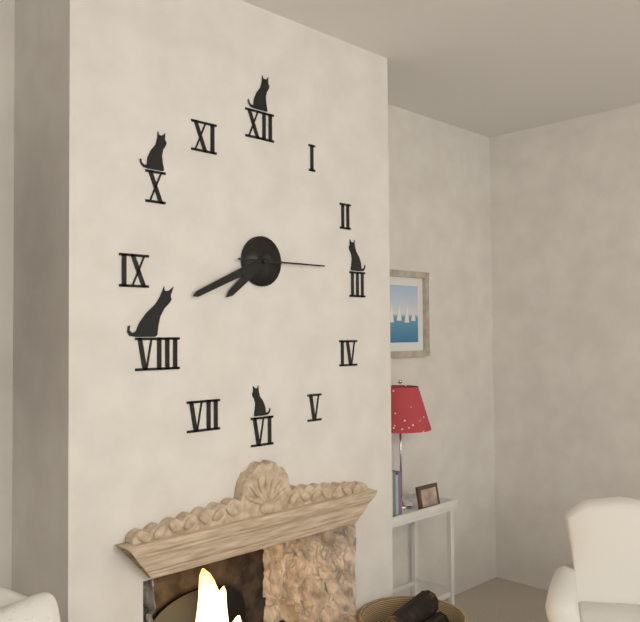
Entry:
7.41.15
